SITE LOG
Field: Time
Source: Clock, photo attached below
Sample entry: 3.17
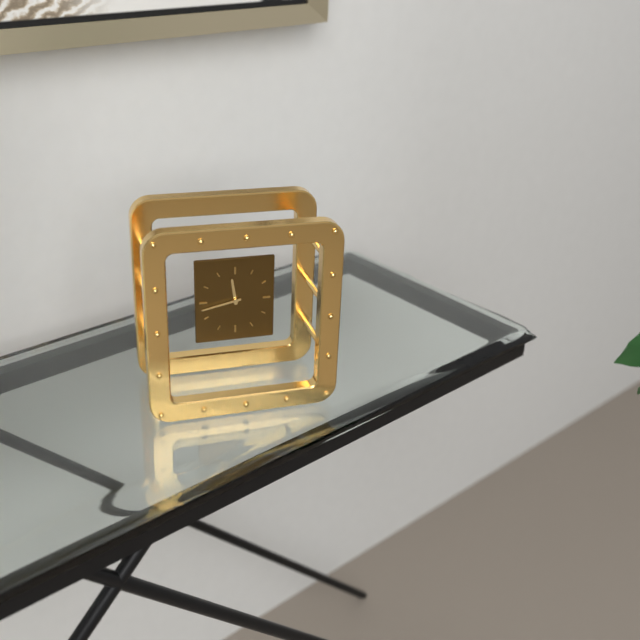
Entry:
11.43
